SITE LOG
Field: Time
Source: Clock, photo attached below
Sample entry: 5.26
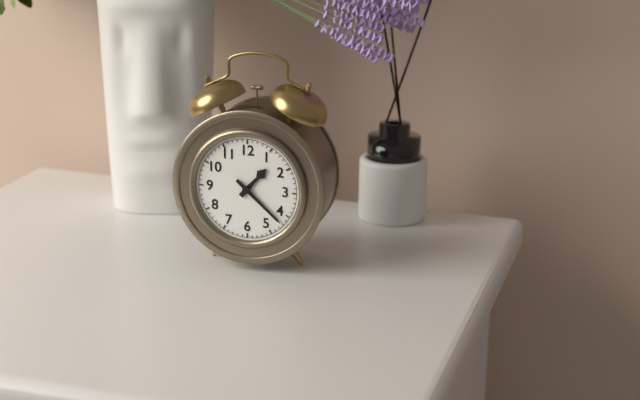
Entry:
1.22
